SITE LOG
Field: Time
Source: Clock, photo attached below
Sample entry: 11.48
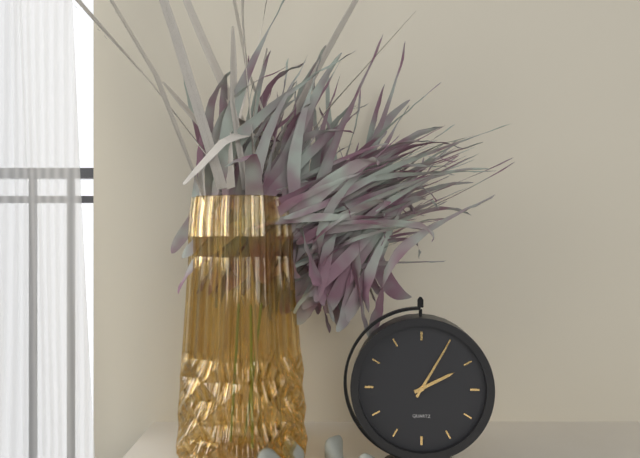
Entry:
2.05
